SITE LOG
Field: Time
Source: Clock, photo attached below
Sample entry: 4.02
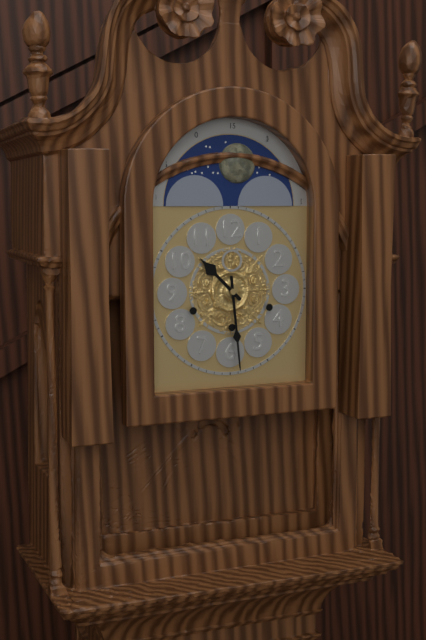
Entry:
10.29
